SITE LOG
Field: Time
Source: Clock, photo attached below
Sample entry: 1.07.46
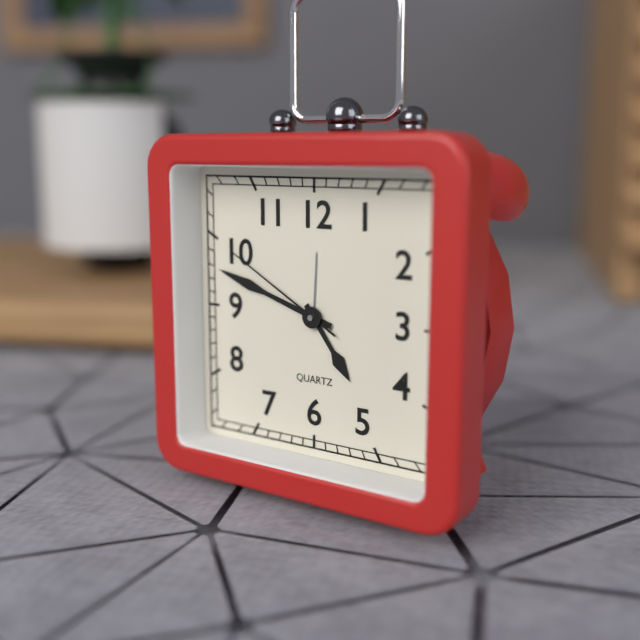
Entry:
4.48.50
